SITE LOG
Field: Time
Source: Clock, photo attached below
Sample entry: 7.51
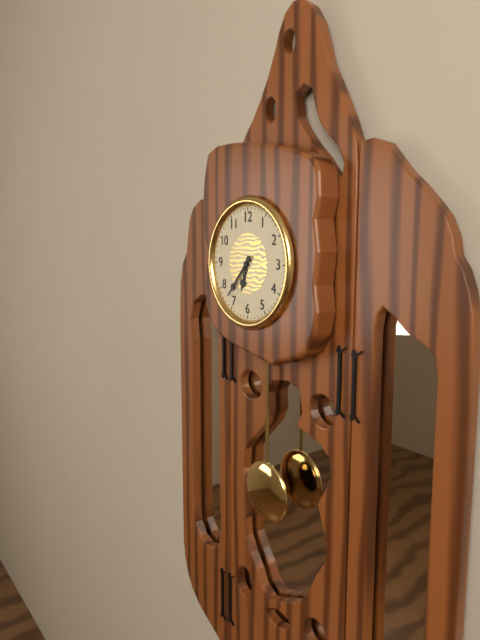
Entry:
6.37
